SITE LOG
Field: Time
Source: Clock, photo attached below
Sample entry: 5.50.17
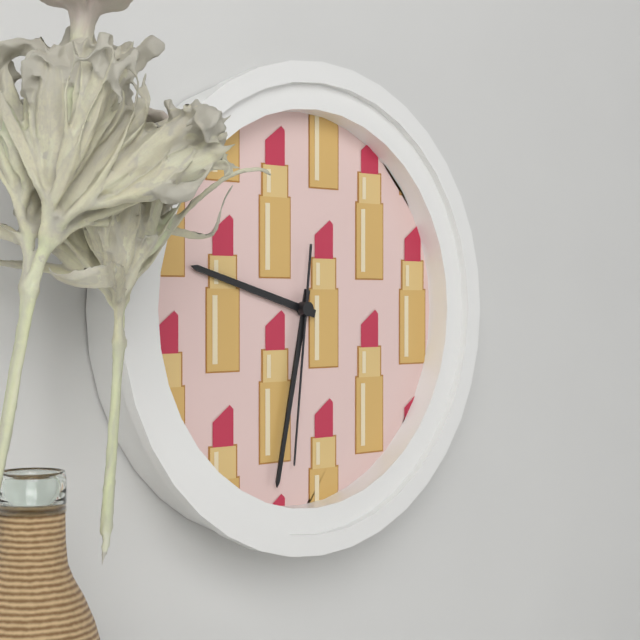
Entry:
9.32.31
